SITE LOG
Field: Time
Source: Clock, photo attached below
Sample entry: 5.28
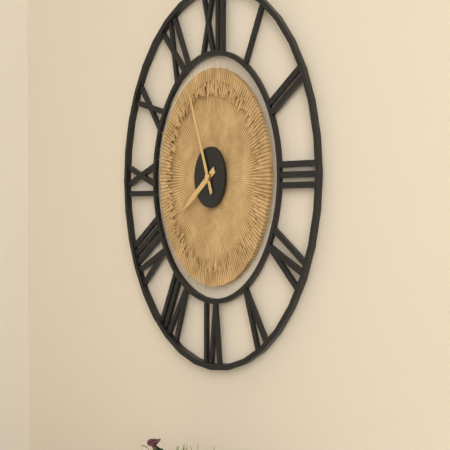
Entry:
7.56
